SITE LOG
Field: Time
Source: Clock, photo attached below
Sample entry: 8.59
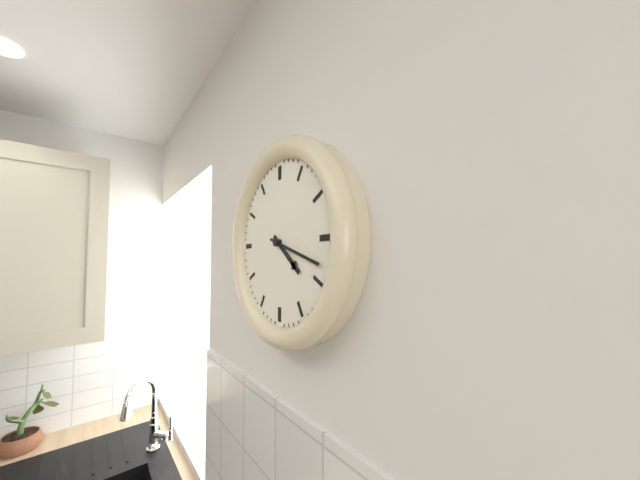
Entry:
4.18
